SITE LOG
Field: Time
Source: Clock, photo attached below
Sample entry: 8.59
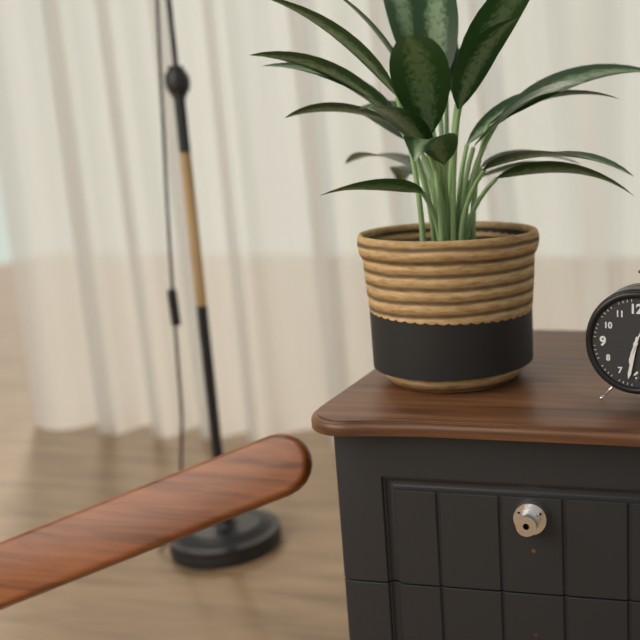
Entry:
6.32
